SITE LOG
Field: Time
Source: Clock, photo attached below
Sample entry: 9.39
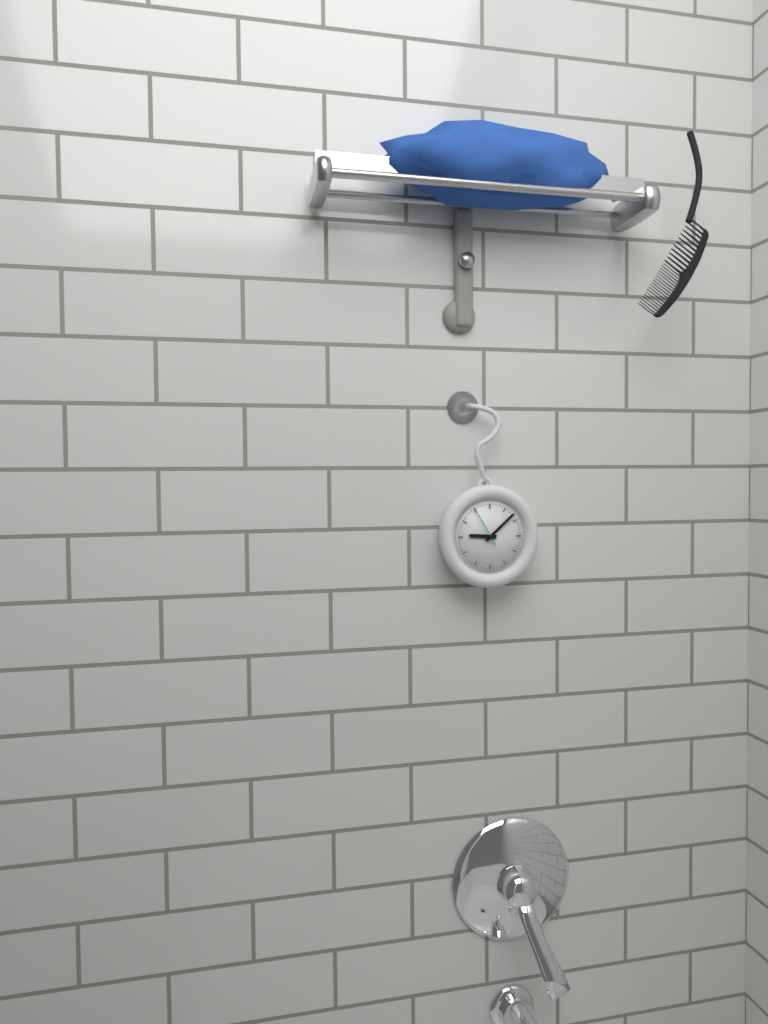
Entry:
9.08
